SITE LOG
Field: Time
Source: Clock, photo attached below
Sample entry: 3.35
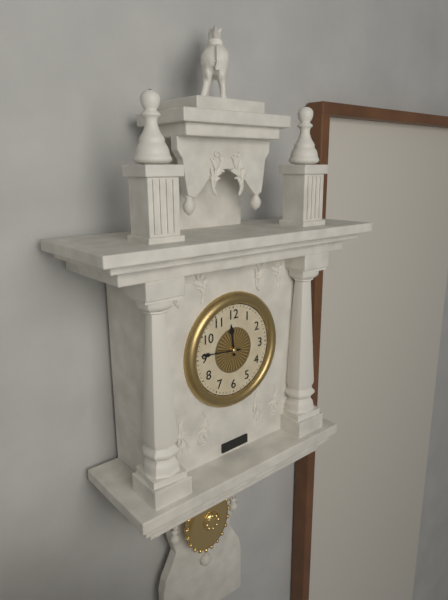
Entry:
11.46
